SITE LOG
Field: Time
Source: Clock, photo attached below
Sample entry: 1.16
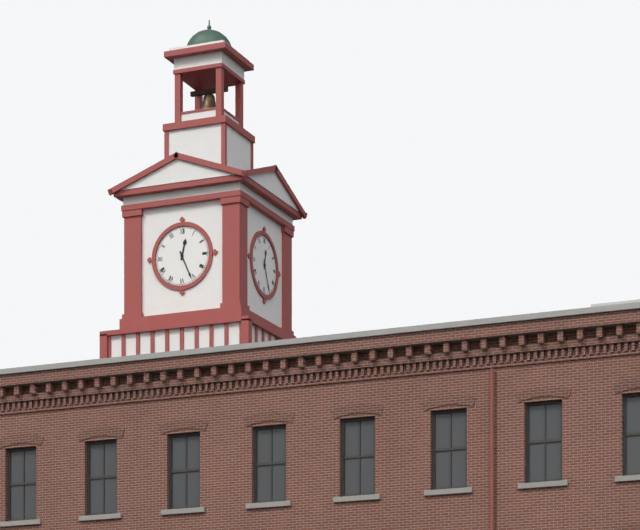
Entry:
12.26
